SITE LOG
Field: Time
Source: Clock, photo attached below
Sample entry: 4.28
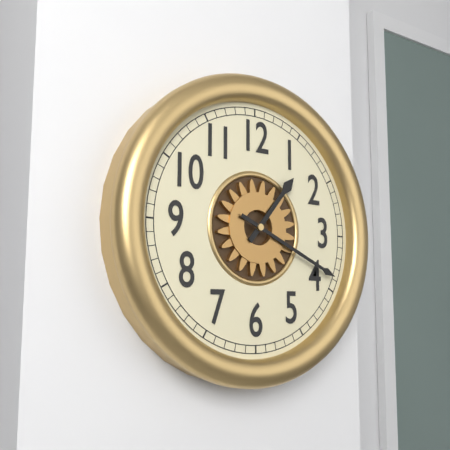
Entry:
1.19
